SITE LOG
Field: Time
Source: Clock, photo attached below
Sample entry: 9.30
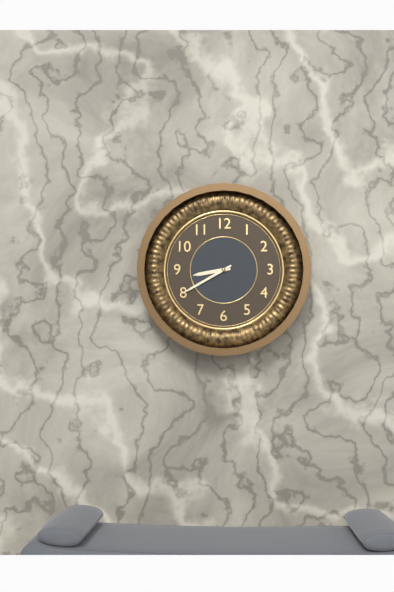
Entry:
8.40
